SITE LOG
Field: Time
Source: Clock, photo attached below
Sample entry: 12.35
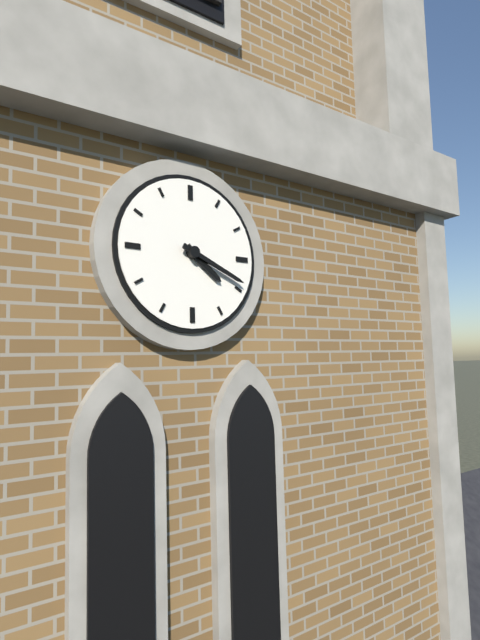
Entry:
4.19
